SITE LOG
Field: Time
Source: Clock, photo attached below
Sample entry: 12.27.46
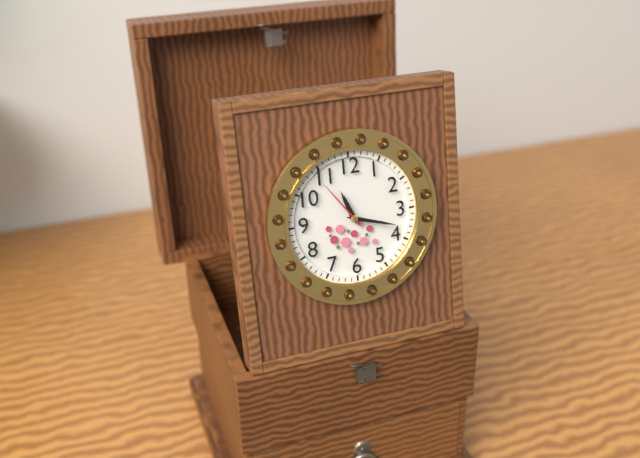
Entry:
11.18.54
